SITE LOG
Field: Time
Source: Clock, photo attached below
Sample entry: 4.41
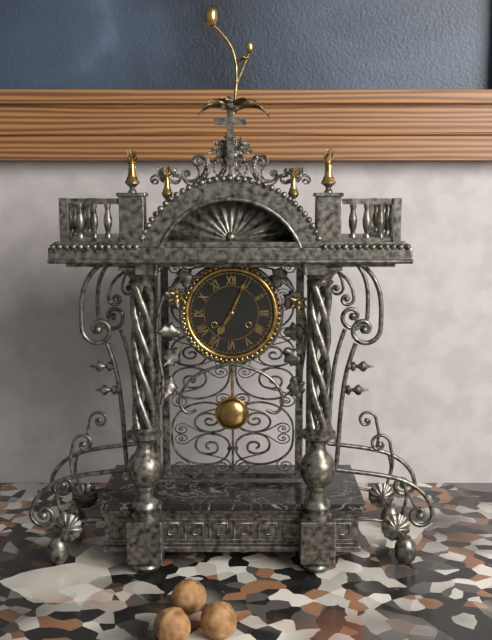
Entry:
7.04
